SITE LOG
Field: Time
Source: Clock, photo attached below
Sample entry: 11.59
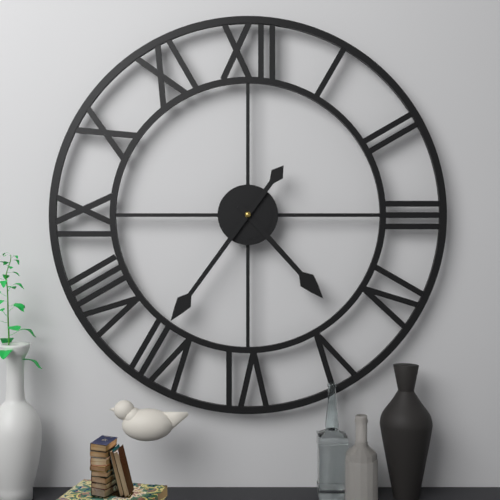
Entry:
4.36
